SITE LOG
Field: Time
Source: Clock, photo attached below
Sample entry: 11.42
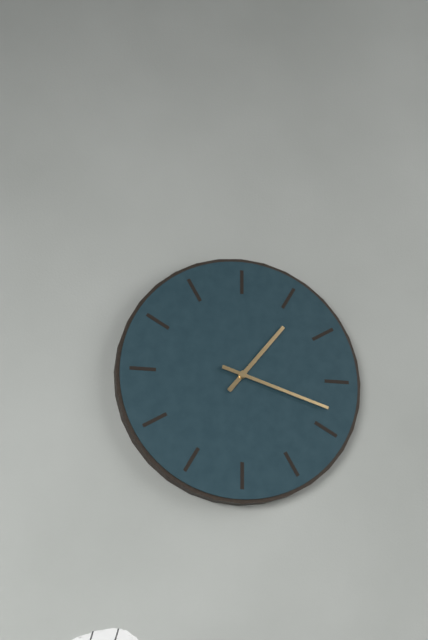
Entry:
1.18
